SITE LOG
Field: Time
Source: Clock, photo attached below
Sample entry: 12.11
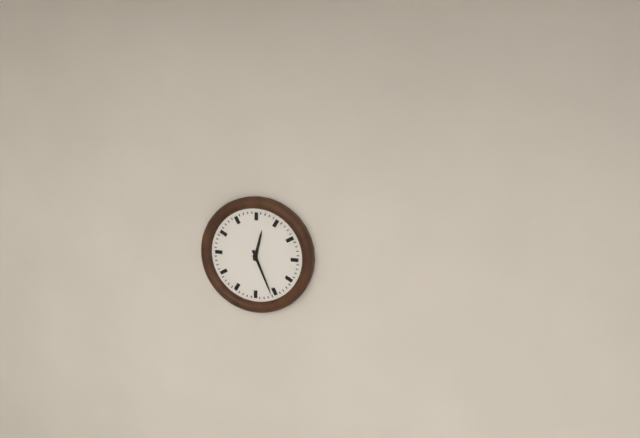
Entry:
12.26
